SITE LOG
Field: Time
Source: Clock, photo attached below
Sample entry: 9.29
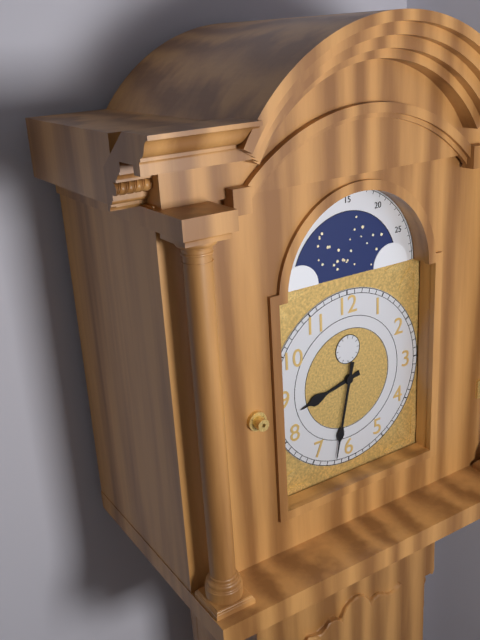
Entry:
8.32
